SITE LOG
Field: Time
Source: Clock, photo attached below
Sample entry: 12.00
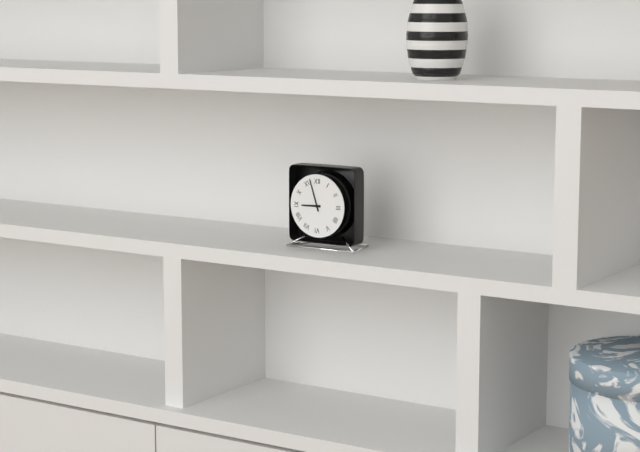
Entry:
8.57
